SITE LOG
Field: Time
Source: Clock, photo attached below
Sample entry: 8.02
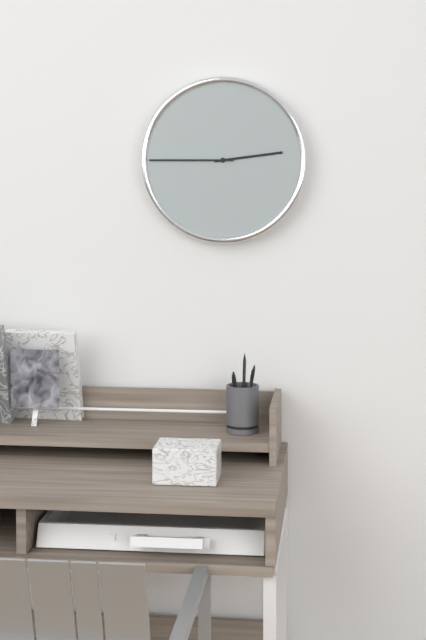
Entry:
2.45
